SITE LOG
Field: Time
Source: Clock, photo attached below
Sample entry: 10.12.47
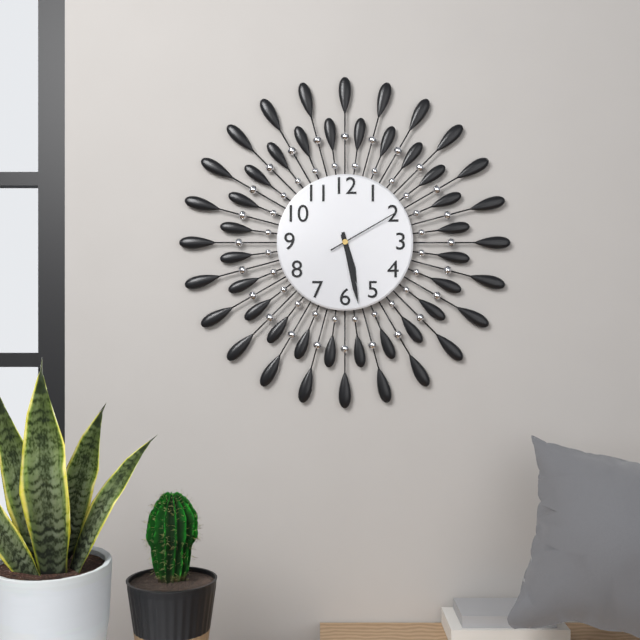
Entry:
5.28.10
